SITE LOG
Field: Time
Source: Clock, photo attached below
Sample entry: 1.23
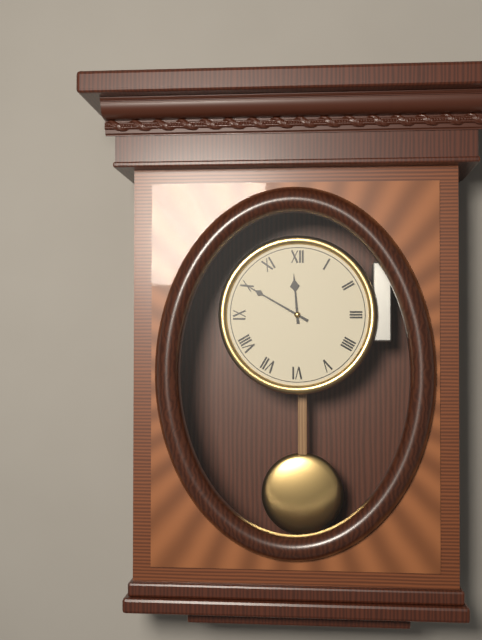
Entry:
11.50
